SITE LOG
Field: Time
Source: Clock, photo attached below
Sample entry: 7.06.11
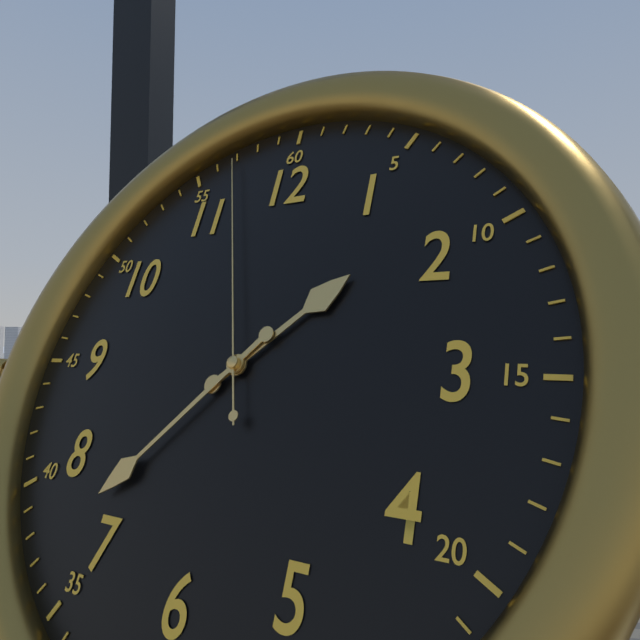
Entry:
1.37.57
